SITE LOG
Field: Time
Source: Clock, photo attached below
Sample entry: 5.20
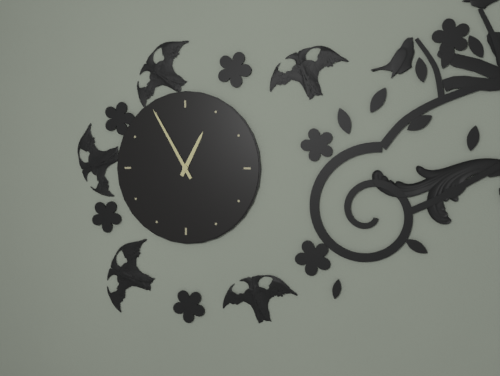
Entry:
12.55
